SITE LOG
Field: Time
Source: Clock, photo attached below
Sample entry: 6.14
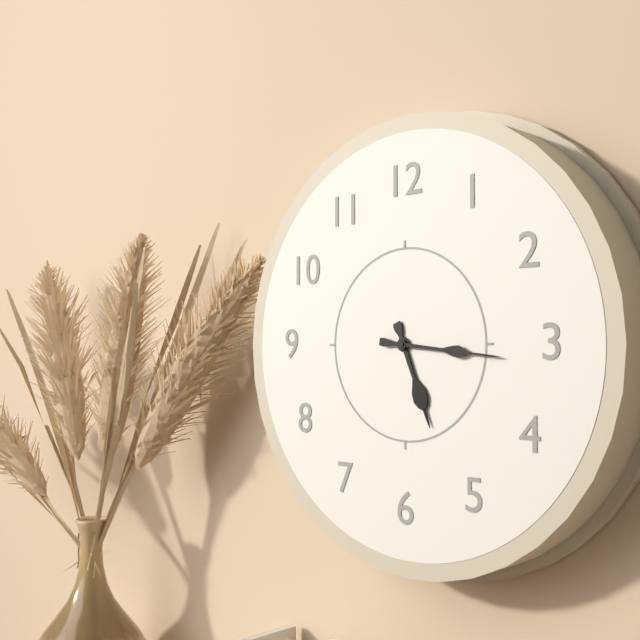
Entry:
5.16
